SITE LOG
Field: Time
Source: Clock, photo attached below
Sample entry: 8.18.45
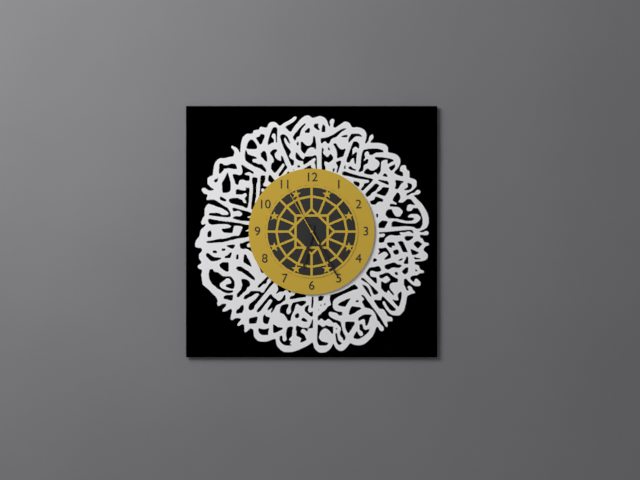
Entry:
6.25.55
